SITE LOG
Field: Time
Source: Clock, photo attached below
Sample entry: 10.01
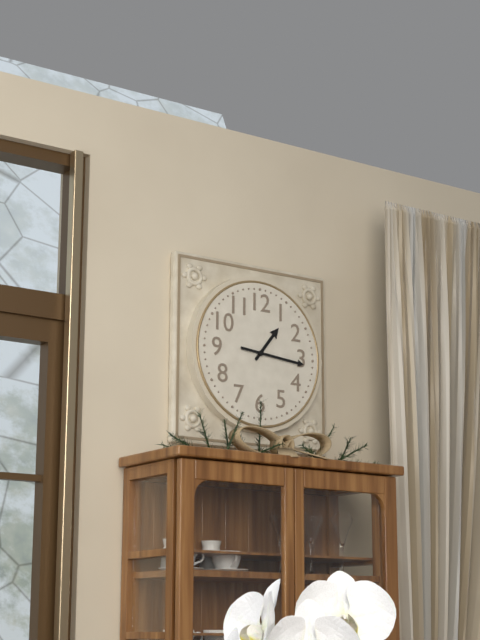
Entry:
1.16
